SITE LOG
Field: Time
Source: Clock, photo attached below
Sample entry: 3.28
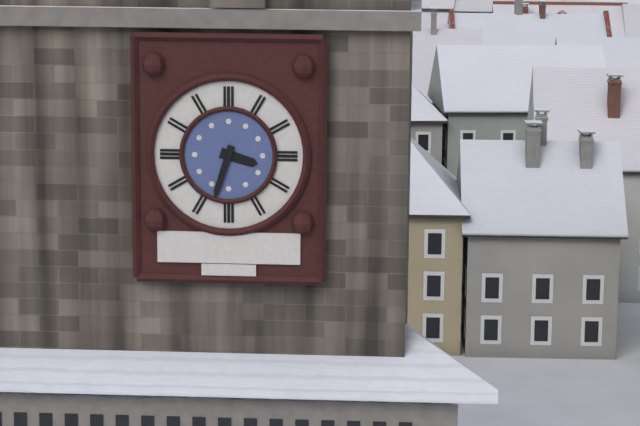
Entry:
3.33
